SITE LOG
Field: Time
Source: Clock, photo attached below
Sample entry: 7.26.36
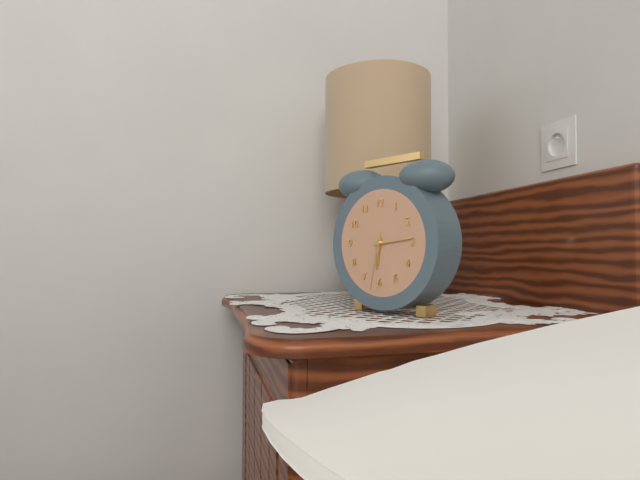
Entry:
6.14.32
